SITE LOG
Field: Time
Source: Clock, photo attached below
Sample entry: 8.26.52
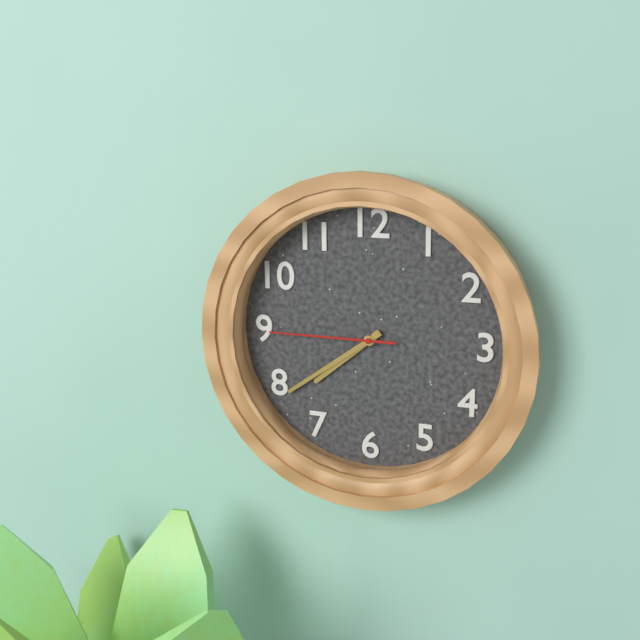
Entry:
7.39.45
